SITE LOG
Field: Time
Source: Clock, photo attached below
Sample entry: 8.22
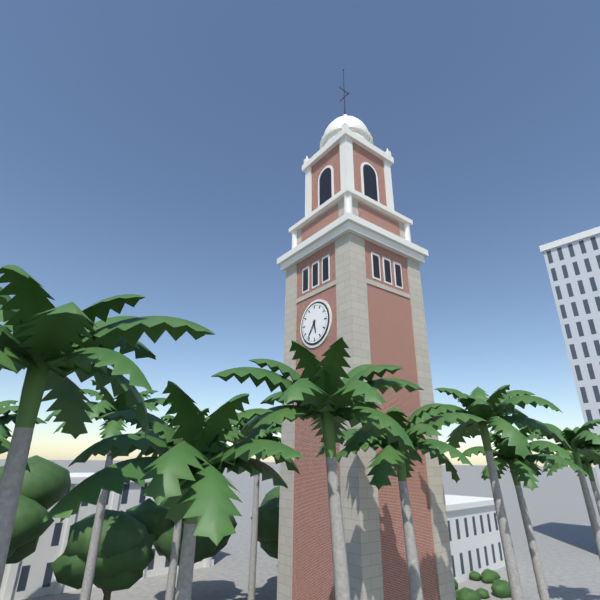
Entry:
5.36
